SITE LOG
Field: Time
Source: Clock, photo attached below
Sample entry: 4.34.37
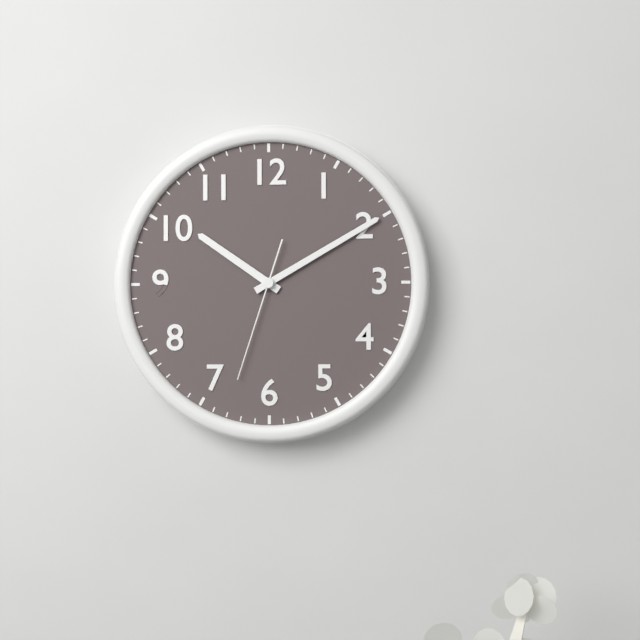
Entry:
10.10.33
